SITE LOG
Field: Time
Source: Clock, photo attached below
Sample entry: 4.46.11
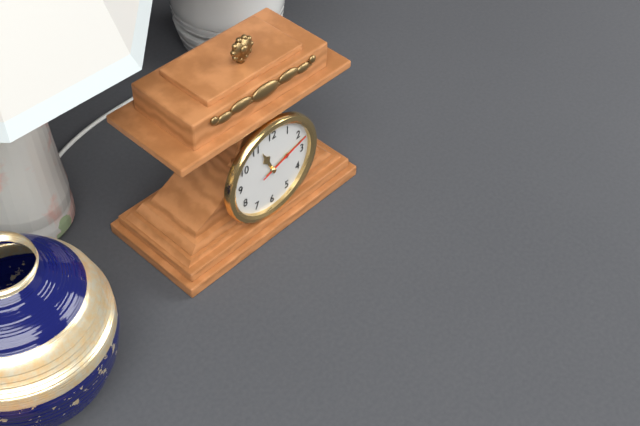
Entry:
11.12.12
